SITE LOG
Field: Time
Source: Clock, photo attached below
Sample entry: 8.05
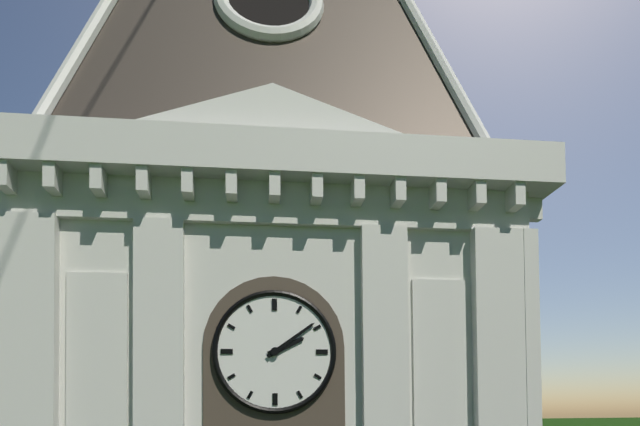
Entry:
2.09
